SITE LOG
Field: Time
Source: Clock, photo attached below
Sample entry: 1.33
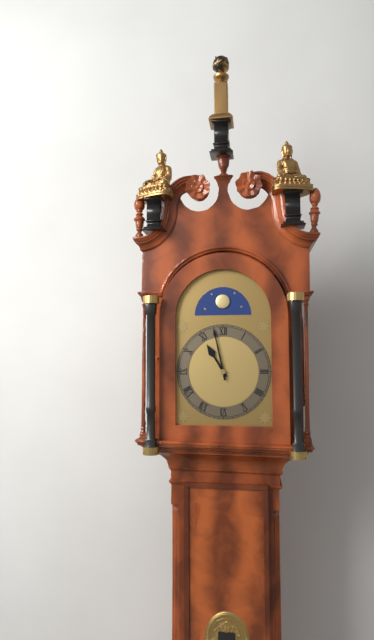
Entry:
10.58
